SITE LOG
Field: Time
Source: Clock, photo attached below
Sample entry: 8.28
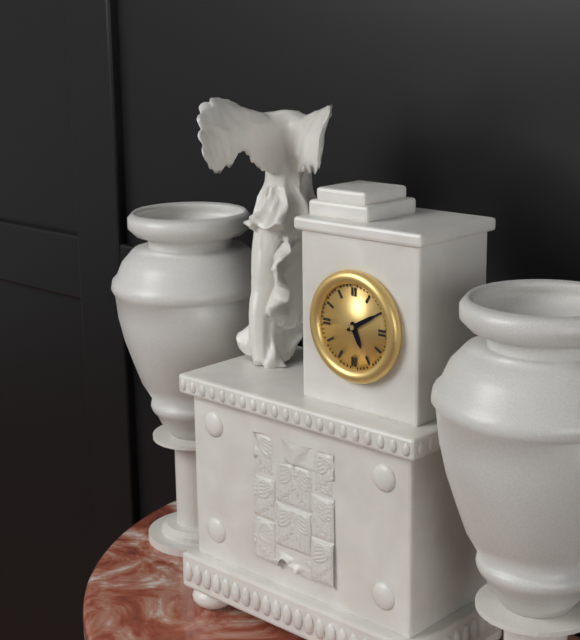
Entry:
5.10
